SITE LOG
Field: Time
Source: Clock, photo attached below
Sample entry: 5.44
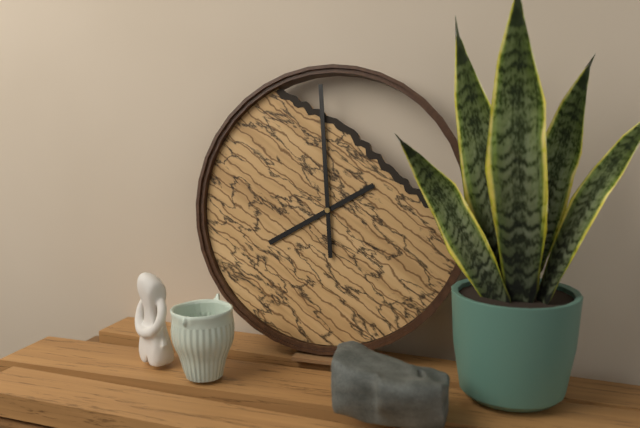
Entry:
7.59
